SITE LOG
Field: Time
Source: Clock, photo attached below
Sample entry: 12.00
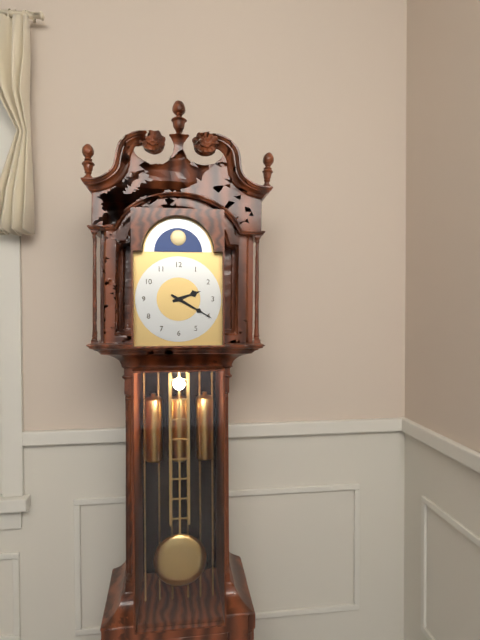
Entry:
2.20
